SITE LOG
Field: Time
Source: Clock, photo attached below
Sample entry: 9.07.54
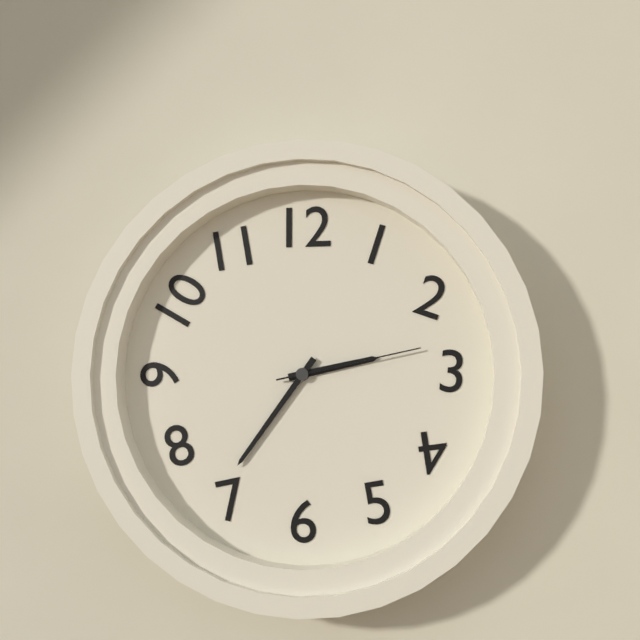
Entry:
2.36.13
